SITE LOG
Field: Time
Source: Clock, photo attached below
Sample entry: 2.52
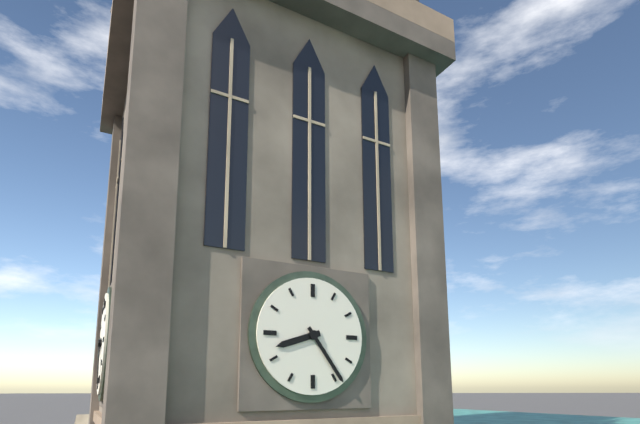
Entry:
8.24
